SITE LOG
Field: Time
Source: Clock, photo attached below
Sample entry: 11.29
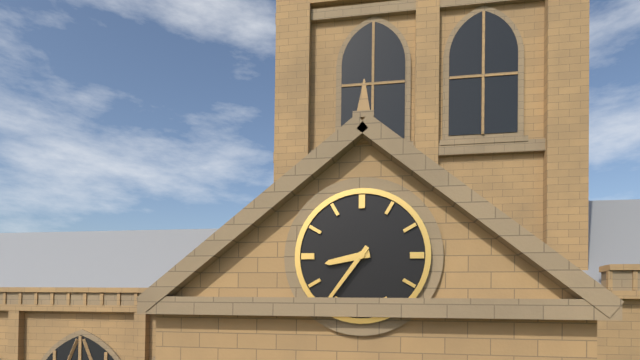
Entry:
8.36
